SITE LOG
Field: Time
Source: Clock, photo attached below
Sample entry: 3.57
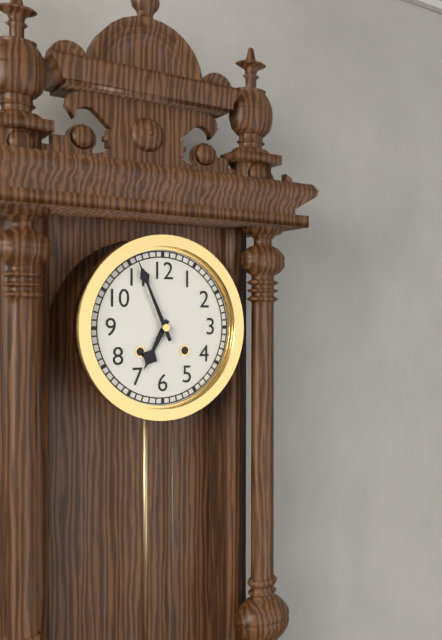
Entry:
6.56
